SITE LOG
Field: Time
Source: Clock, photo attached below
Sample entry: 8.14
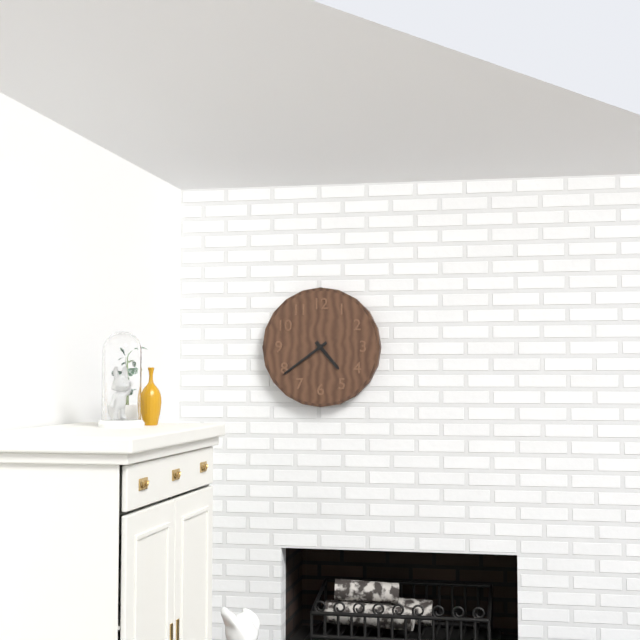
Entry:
4.39
